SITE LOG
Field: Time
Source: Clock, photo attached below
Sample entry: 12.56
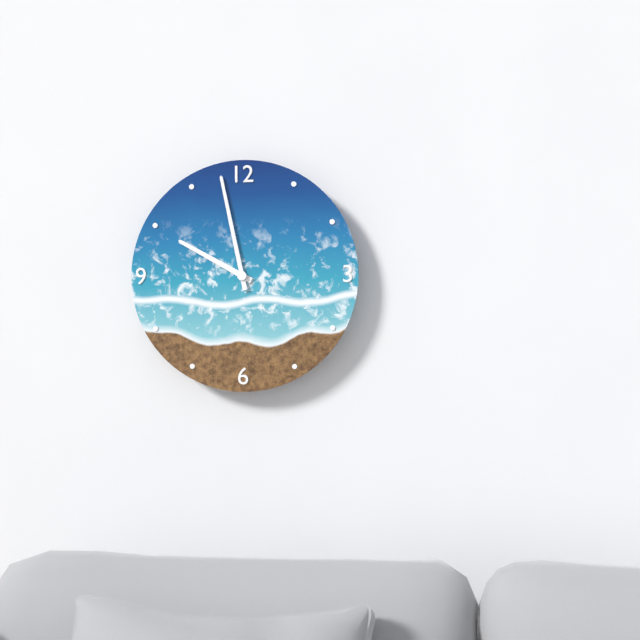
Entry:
9.58
